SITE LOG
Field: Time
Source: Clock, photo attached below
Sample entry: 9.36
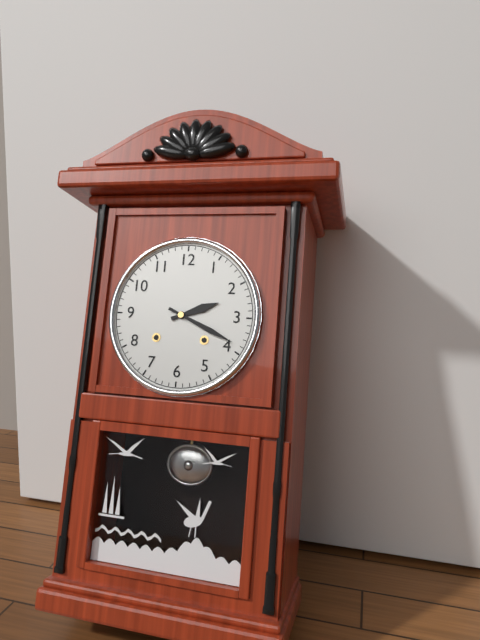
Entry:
2.19
